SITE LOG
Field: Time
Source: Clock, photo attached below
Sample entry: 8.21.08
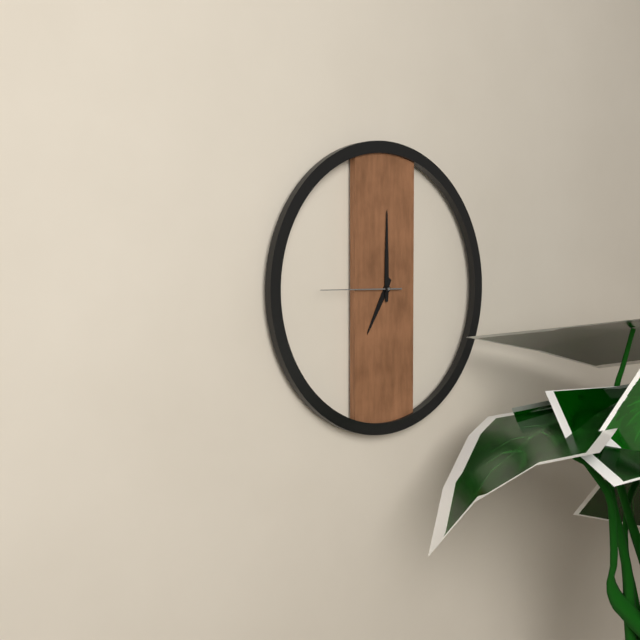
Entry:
7.00.45
